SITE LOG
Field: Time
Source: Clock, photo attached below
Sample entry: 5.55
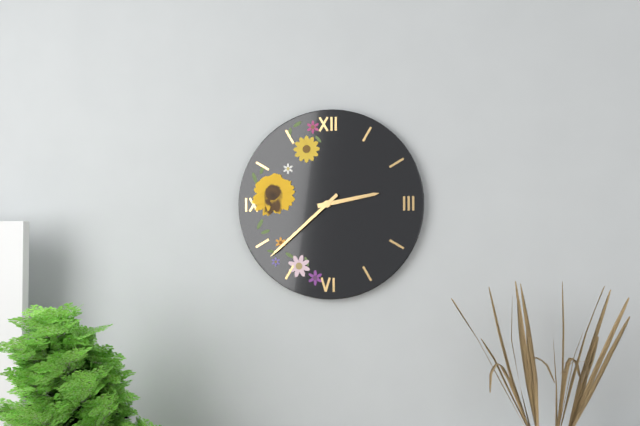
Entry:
2.38
